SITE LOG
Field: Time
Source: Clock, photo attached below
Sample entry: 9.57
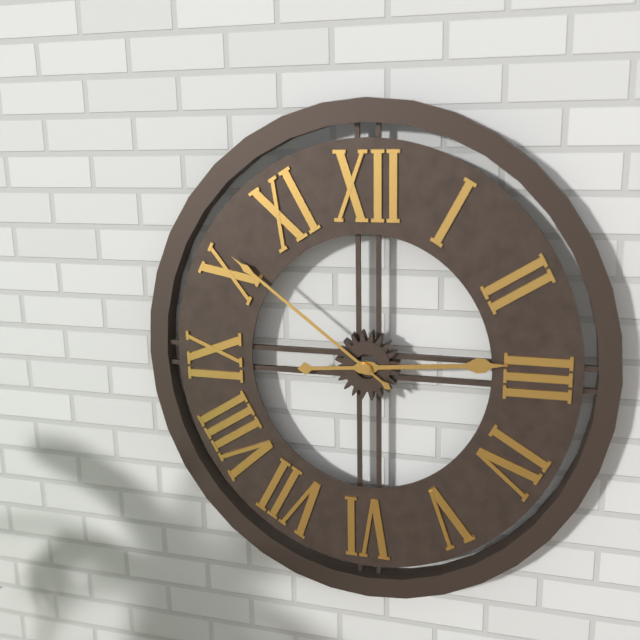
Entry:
2.51
